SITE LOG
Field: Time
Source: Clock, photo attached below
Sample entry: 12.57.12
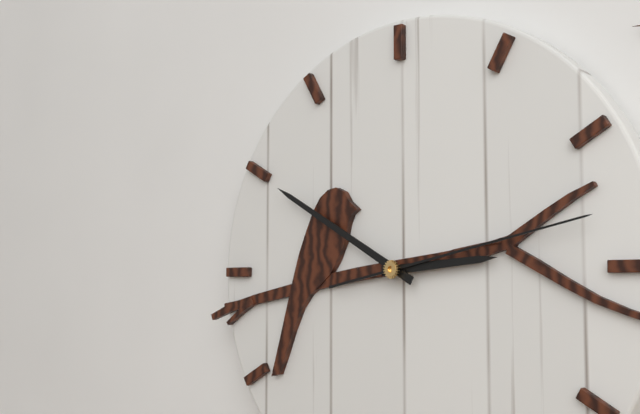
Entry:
2.50.13
